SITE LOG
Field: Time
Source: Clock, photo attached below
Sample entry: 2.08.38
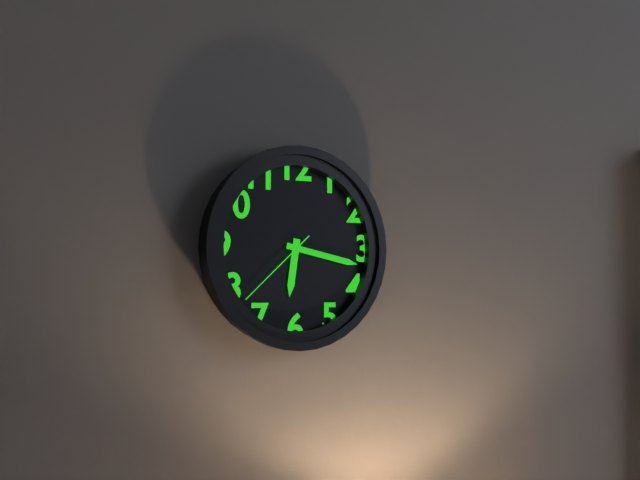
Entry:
6.17.38
